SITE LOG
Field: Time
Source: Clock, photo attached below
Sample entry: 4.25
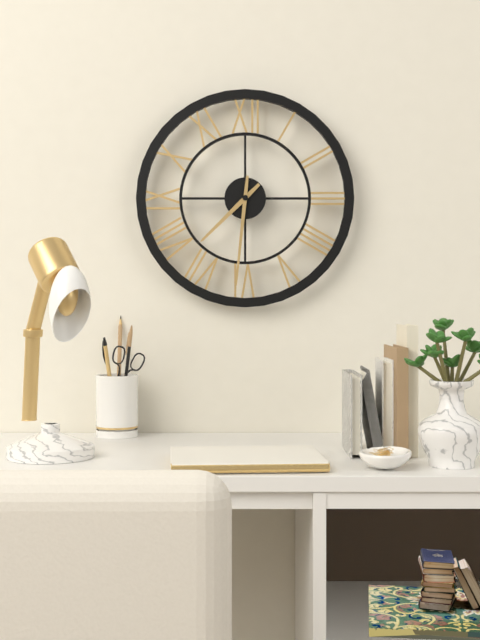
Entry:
7.31
